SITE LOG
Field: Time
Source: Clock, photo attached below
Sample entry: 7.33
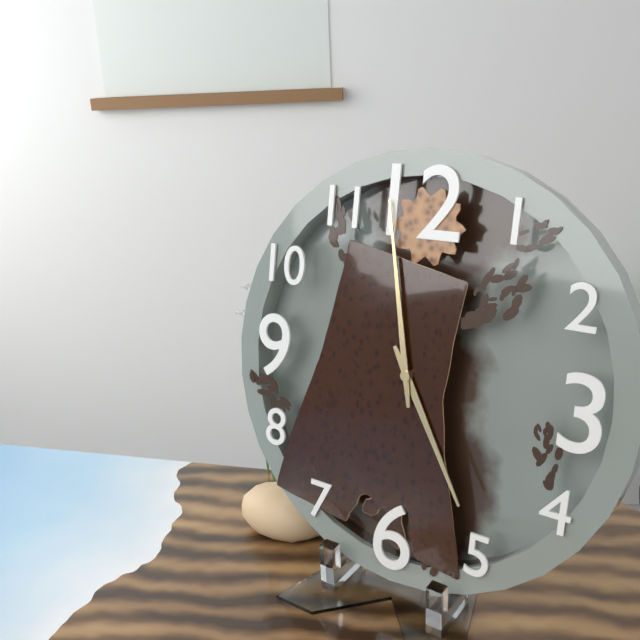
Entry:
4.58
